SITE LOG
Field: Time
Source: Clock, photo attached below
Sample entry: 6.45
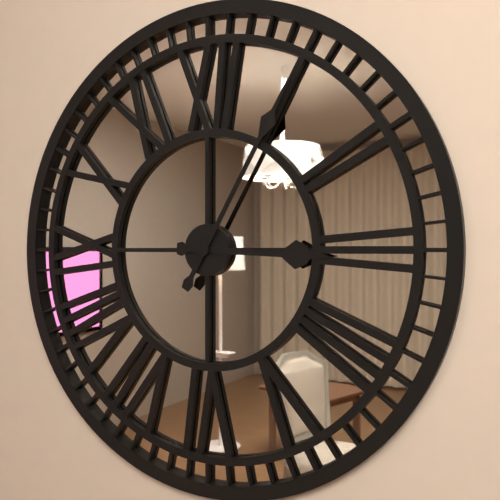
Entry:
3.05
